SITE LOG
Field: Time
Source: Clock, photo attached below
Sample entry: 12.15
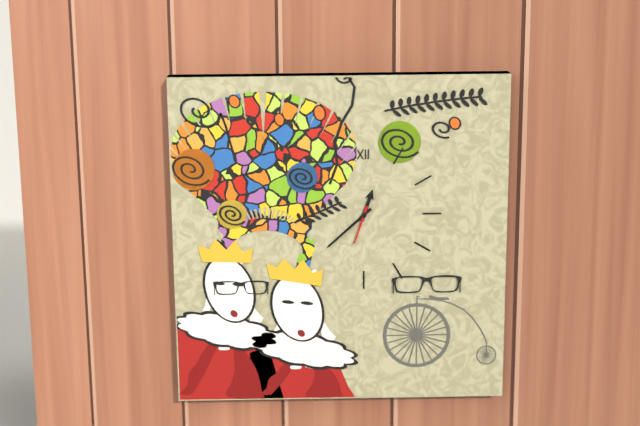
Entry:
12.38
